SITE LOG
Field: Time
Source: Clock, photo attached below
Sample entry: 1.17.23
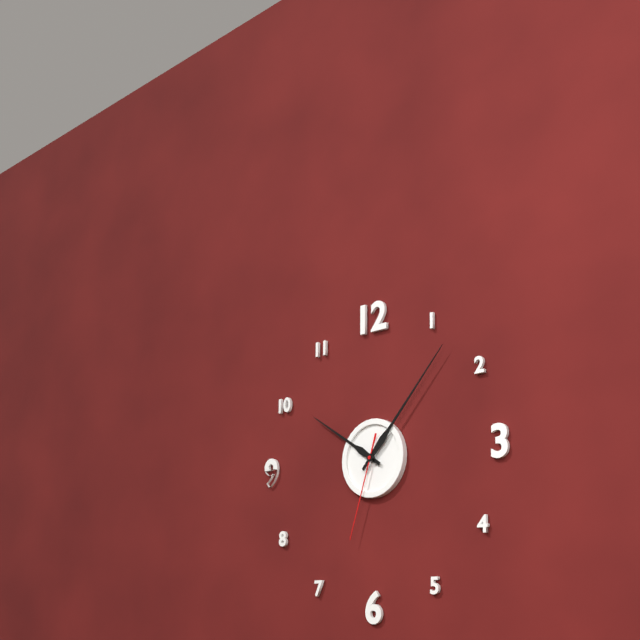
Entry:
10.07.33
